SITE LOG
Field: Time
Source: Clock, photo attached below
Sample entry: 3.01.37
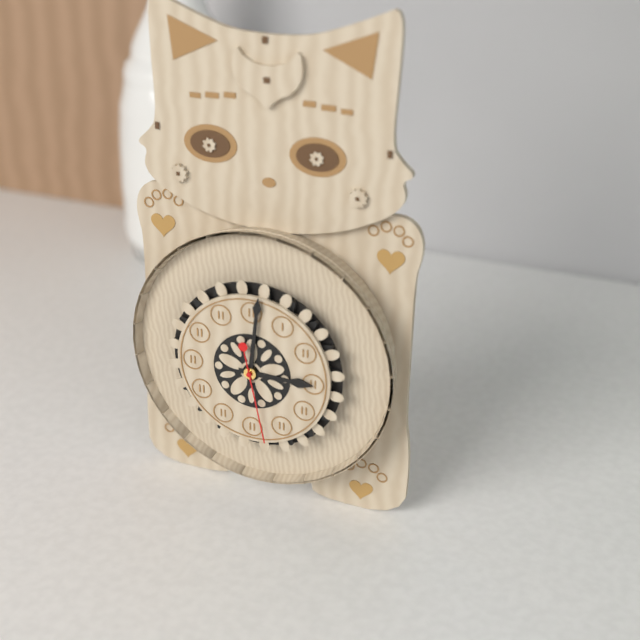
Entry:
3.01.28
